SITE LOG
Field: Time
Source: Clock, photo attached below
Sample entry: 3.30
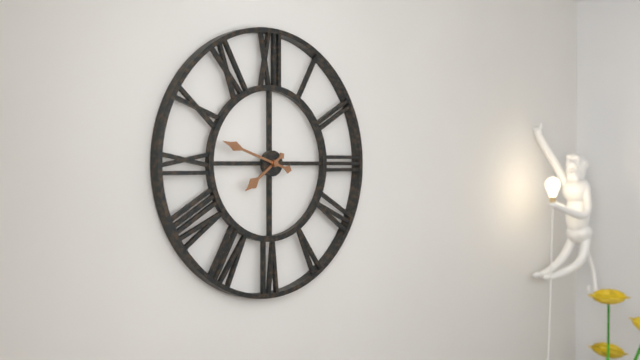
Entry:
7.48
